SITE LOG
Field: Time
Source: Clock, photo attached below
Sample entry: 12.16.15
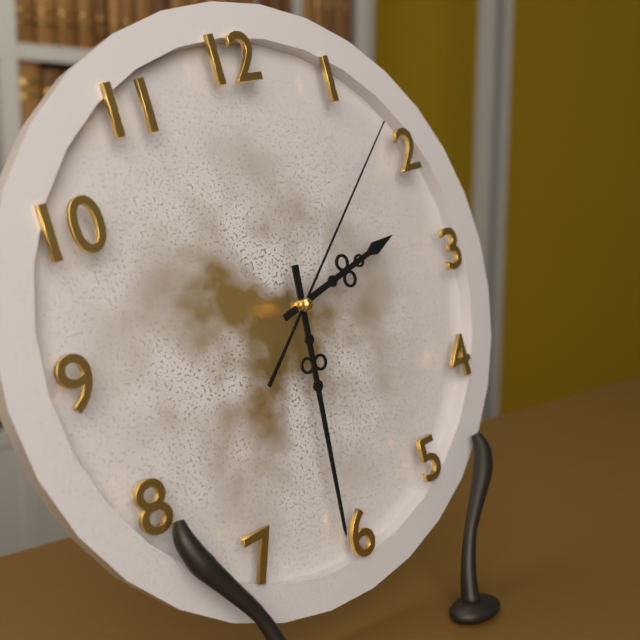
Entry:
2.31.08
